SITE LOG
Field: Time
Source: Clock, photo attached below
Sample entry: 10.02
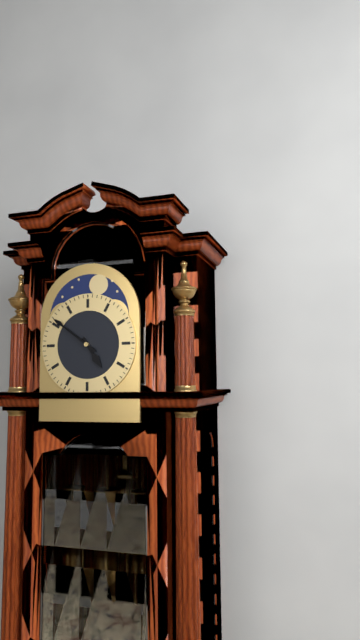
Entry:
4.51
